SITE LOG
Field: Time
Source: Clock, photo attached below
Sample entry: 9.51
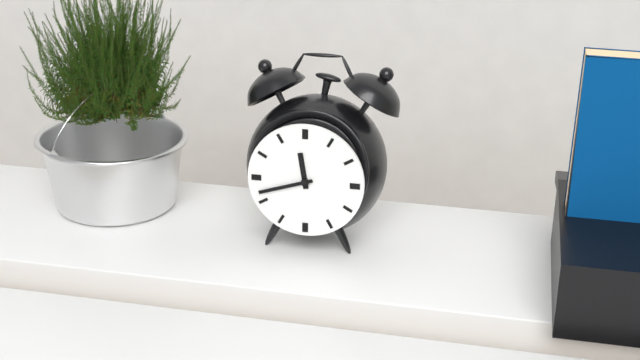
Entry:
11.42
